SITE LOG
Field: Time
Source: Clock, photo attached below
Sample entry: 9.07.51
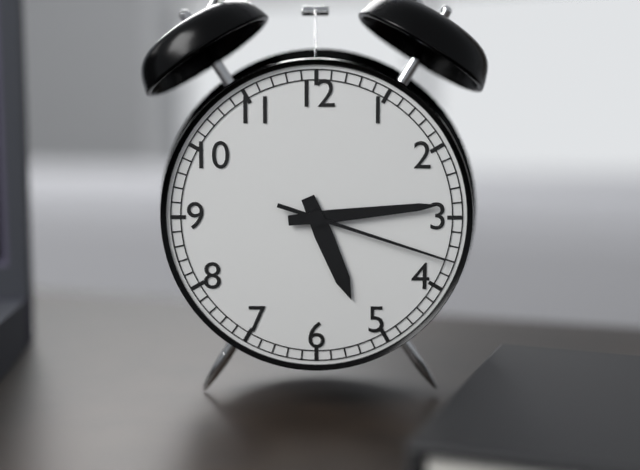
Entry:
5.14.18
